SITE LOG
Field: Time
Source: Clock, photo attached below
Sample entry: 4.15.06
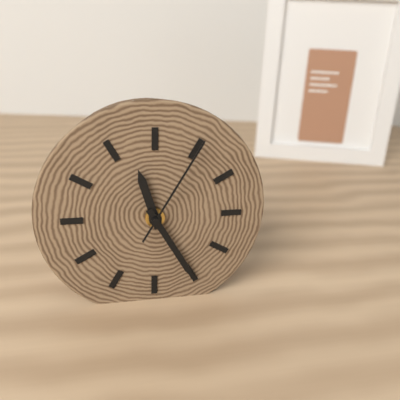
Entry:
11.25.05
